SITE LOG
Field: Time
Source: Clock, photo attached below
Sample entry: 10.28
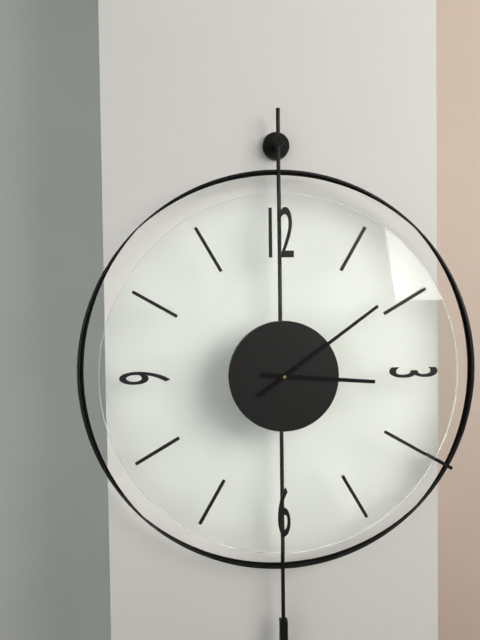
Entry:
3.09
